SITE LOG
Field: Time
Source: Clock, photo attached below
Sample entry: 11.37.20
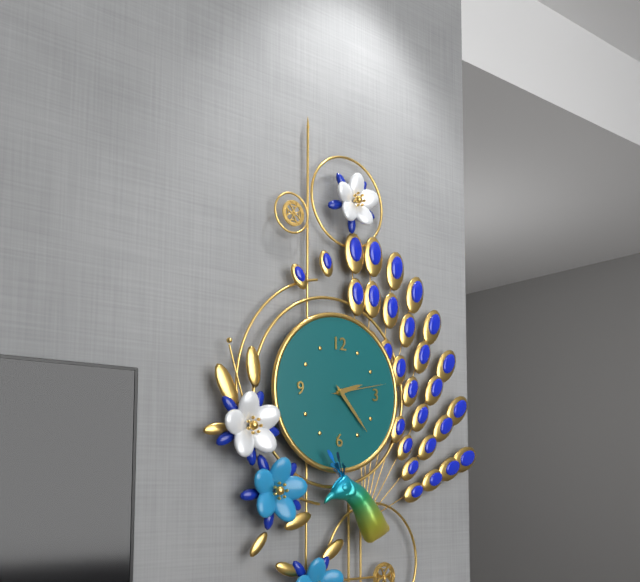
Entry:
2.23.13
